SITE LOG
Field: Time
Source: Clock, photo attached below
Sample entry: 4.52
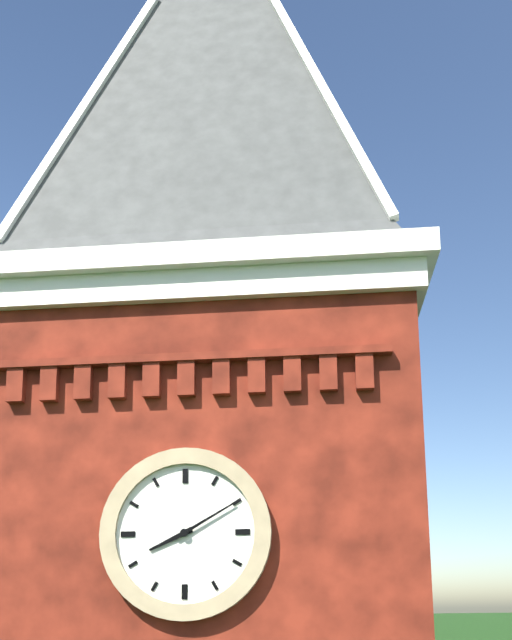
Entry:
8.10
